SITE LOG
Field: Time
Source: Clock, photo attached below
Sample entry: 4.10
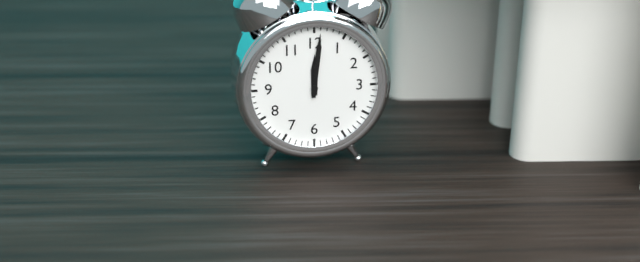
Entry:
12.01
